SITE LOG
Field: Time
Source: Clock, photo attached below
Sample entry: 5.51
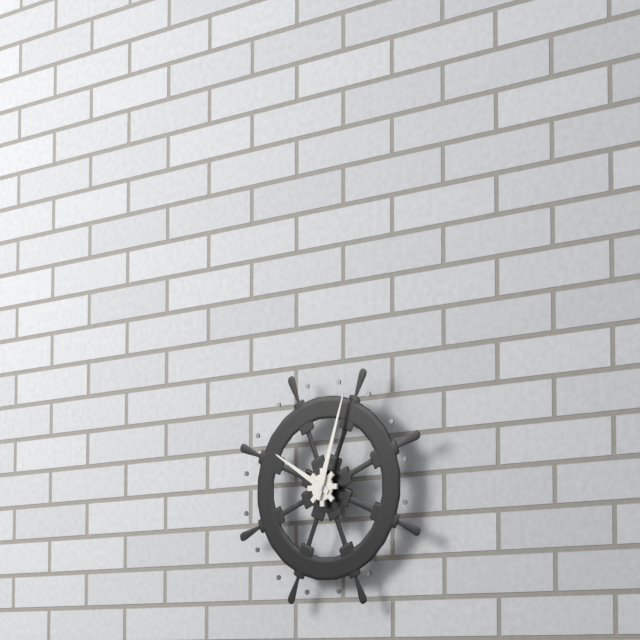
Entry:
10.03
